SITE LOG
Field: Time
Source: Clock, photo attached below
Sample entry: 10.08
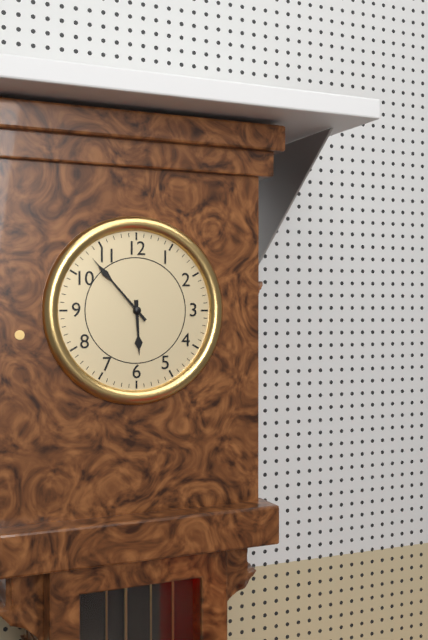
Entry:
5.53
